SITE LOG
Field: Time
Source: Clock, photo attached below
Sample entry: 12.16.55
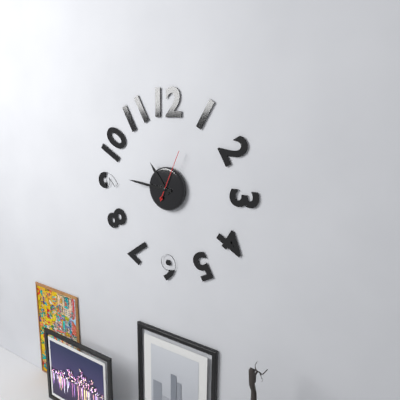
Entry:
10.46.04
